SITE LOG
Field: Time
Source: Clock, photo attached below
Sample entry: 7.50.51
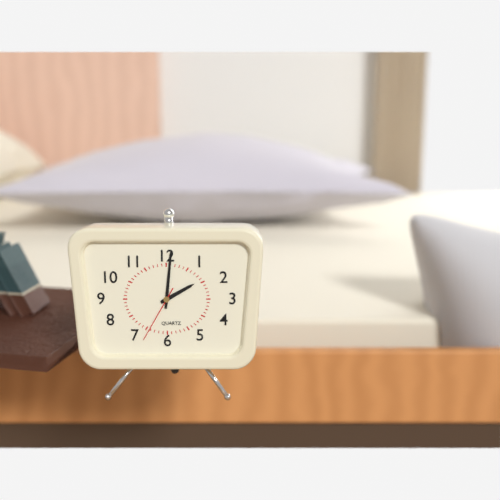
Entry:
2.01.35
